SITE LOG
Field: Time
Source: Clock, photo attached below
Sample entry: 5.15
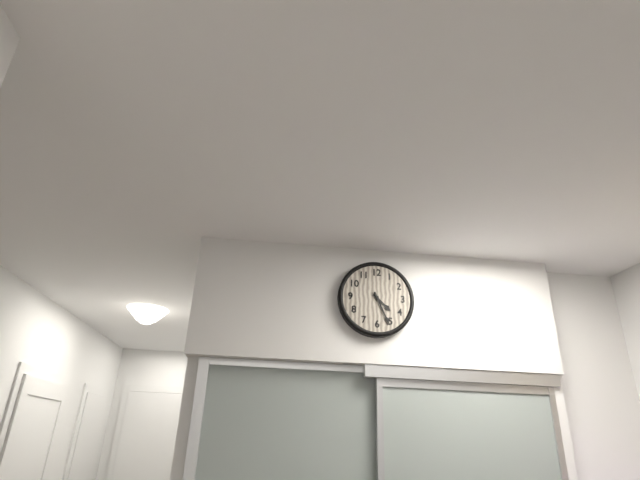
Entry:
4.26
